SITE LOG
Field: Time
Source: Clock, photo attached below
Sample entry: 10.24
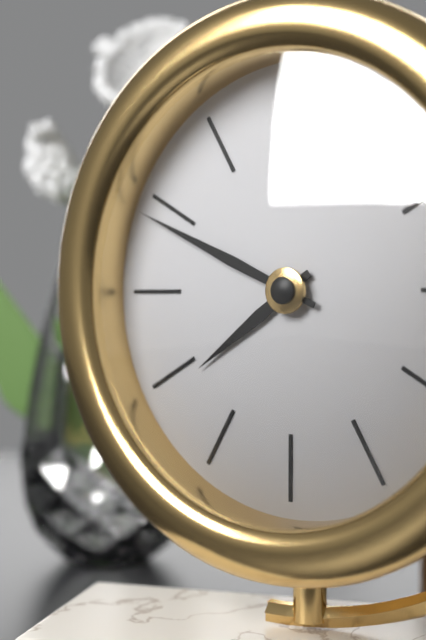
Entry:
7.49
